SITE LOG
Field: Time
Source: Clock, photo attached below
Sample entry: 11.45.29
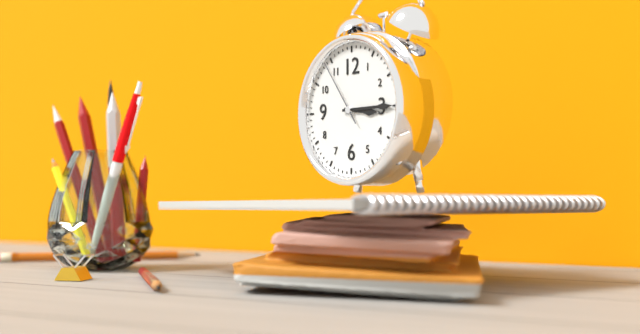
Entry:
3.15.54
